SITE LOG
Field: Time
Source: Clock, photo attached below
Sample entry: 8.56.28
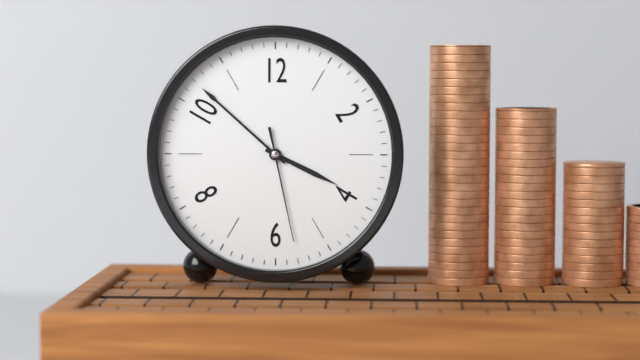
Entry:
3.52.28
